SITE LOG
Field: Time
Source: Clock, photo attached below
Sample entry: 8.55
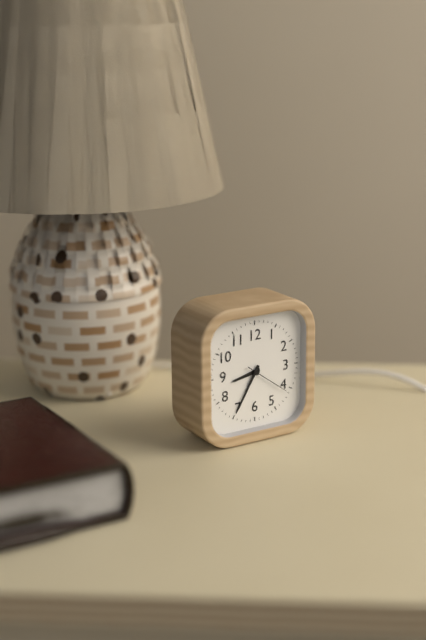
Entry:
8.35
